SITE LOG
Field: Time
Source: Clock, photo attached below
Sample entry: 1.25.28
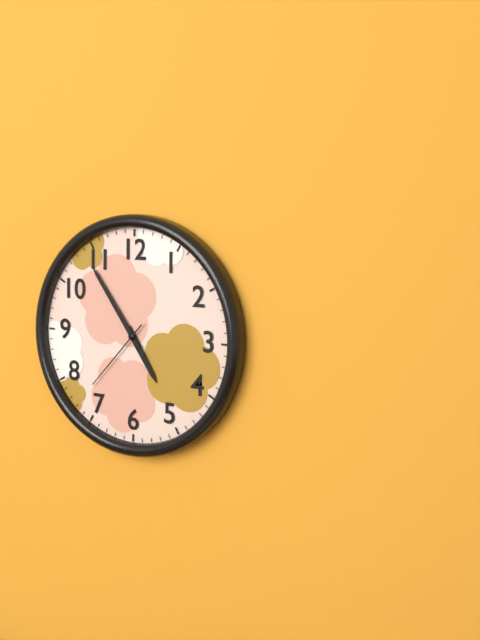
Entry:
4.54.37
